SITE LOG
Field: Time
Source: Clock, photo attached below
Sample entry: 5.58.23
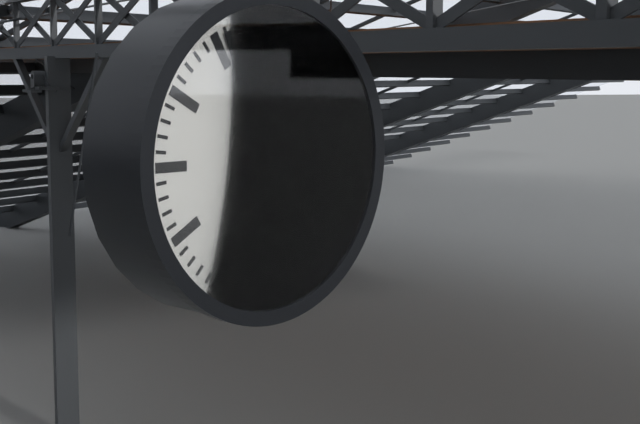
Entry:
3.56.16
